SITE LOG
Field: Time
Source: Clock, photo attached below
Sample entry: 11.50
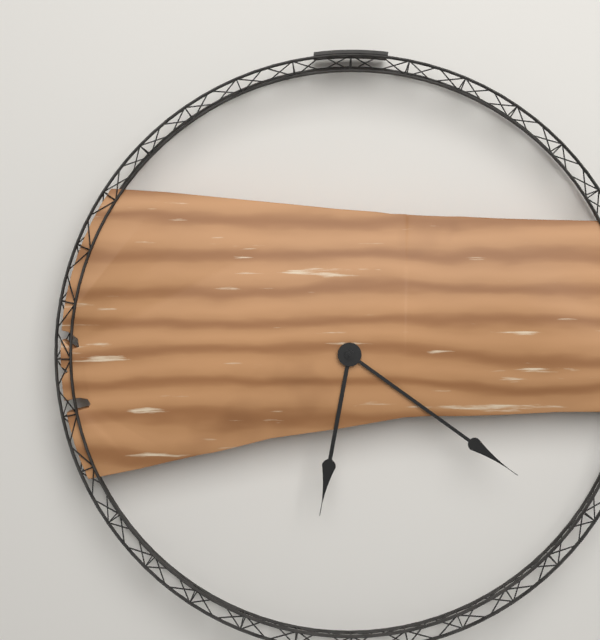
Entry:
6.21
